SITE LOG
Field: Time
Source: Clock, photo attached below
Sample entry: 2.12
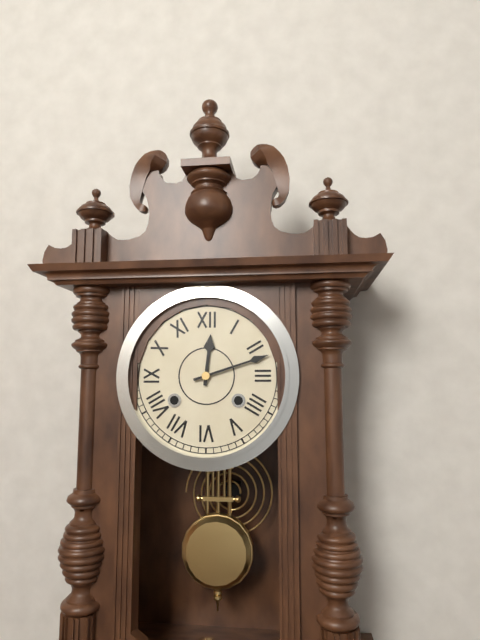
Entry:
12.12
